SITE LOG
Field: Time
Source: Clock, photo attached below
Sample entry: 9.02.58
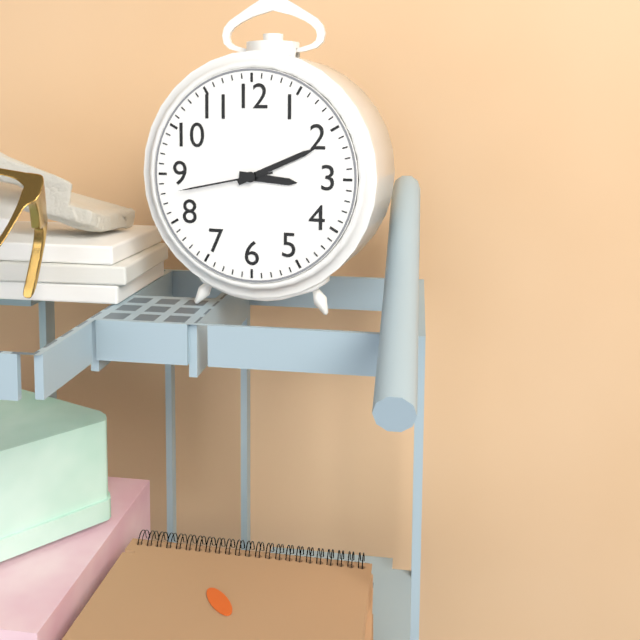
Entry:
3.11.43
